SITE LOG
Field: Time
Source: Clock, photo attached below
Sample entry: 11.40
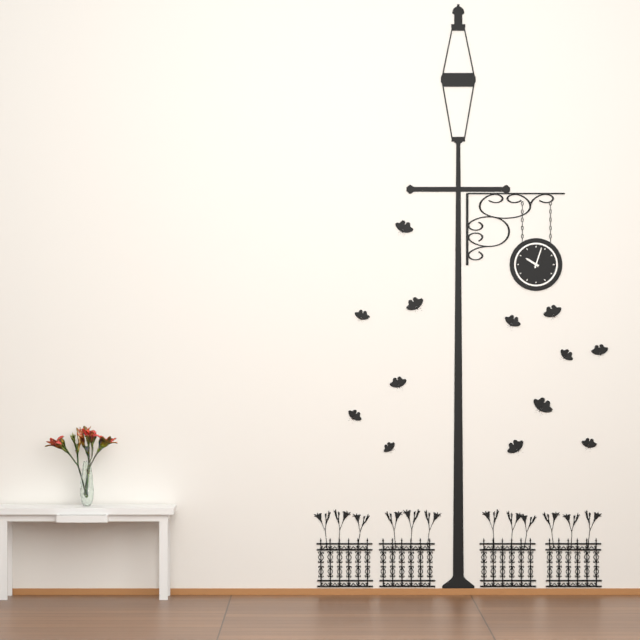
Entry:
10.03
